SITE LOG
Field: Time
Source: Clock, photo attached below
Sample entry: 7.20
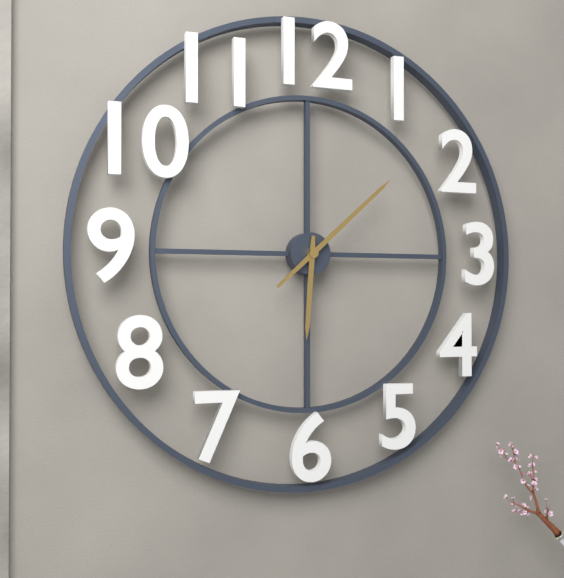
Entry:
6.08
